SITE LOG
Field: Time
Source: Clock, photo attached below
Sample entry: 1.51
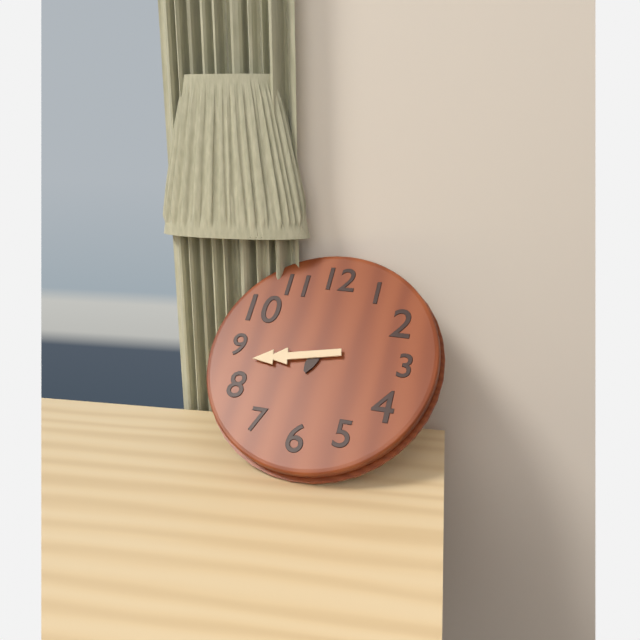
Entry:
6.43
